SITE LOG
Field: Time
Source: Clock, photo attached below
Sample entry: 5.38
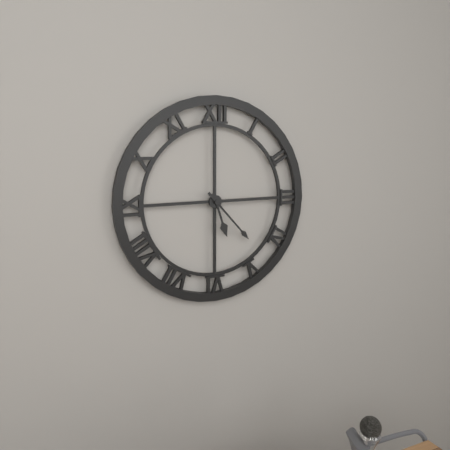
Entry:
5.23
